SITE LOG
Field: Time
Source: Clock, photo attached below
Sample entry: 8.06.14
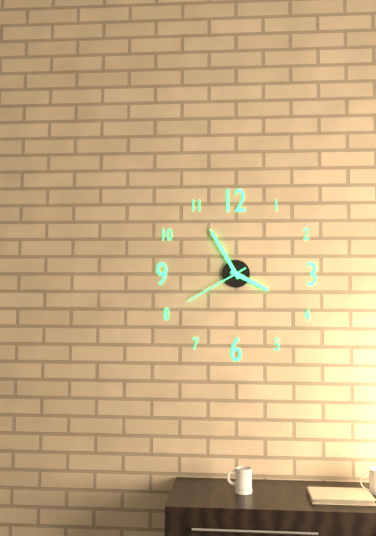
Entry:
3.55.40
